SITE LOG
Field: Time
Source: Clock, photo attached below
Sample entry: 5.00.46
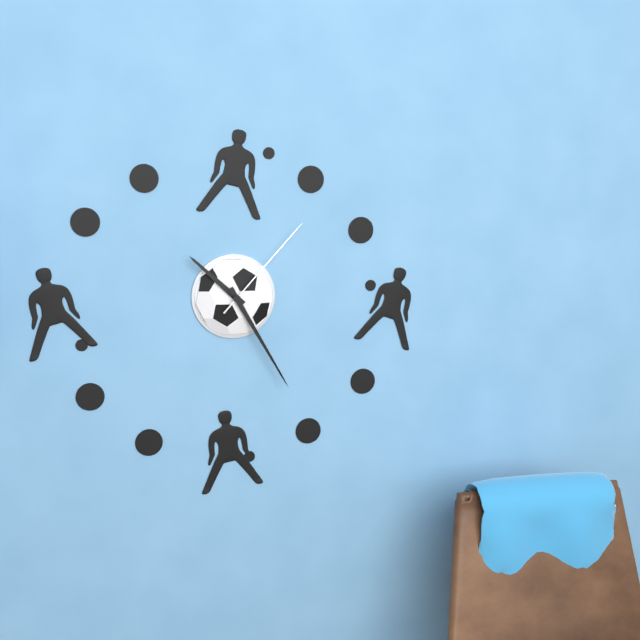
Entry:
10.25.07
